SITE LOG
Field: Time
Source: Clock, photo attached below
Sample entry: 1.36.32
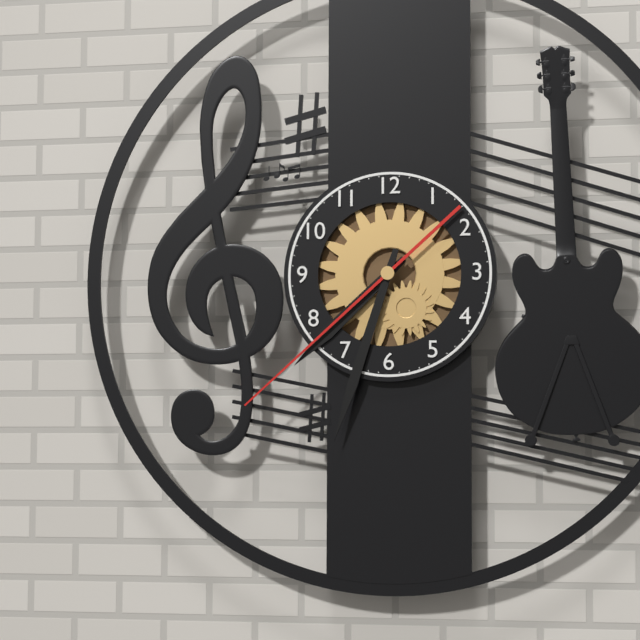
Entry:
7.33.38
